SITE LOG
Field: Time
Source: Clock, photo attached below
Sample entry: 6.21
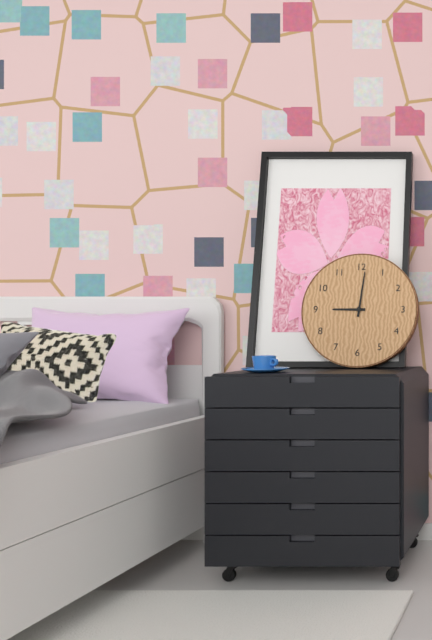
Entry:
9.01
